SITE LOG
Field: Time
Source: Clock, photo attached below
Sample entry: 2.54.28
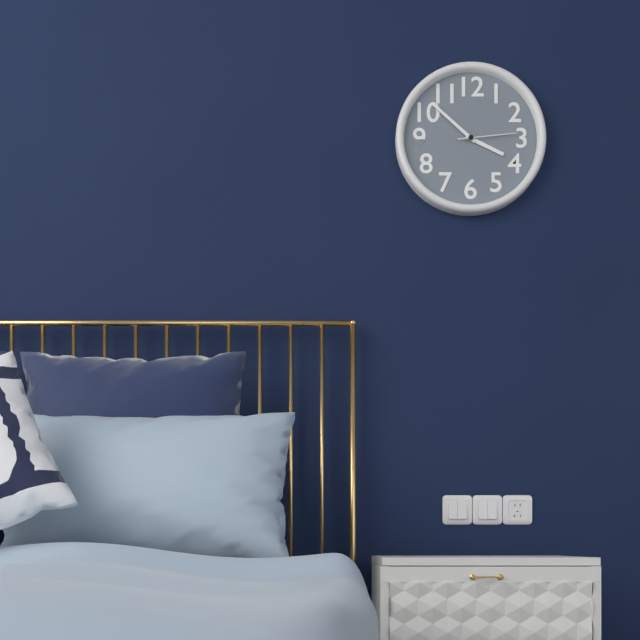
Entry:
3.52.14
